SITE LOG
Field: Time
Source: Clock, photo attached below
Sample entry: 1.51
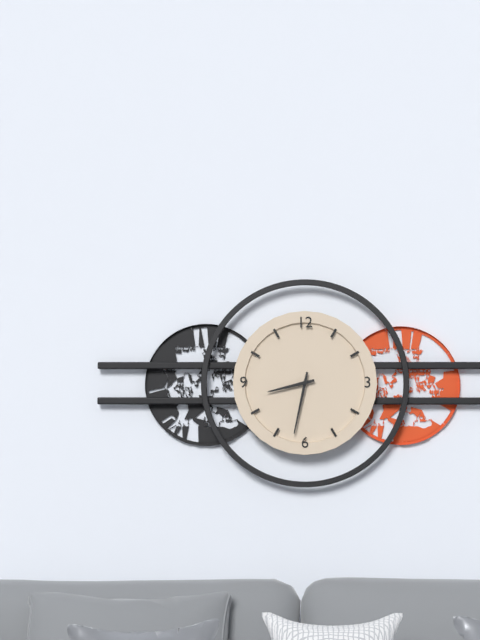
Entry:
8.32
